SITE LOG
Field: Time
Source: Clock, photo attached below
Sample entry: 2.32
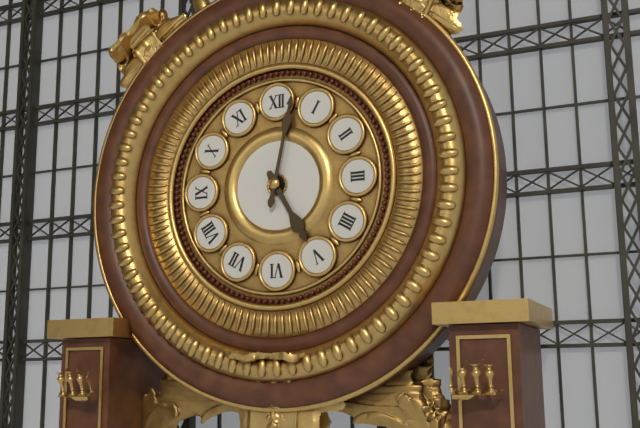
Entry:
5.02
